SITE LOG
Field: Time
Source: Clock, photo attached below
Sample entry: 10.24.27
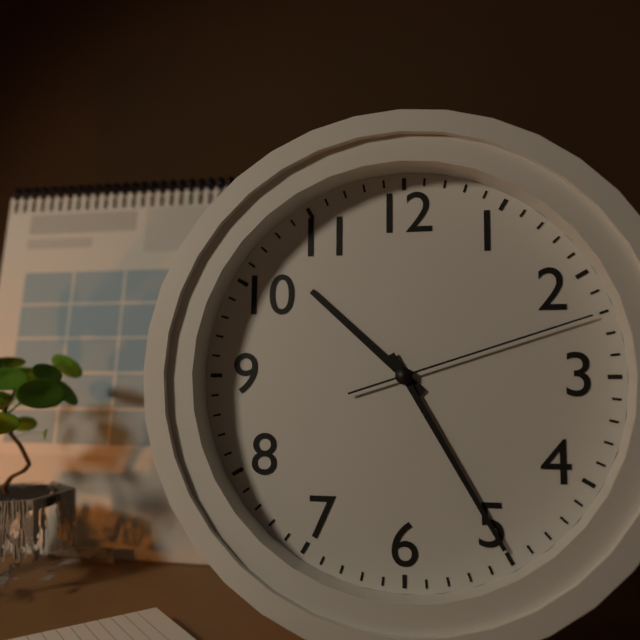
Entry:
10.25.12
